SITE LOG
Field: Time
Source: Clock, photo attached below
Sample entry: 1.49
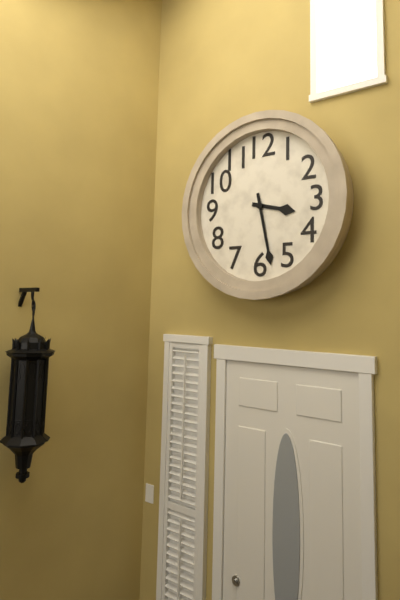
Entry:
3.28
